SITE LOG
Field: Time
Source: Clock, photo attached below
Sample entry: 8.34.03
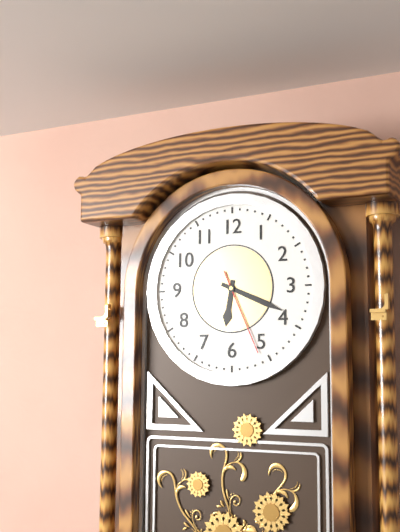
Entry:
6.19.26
